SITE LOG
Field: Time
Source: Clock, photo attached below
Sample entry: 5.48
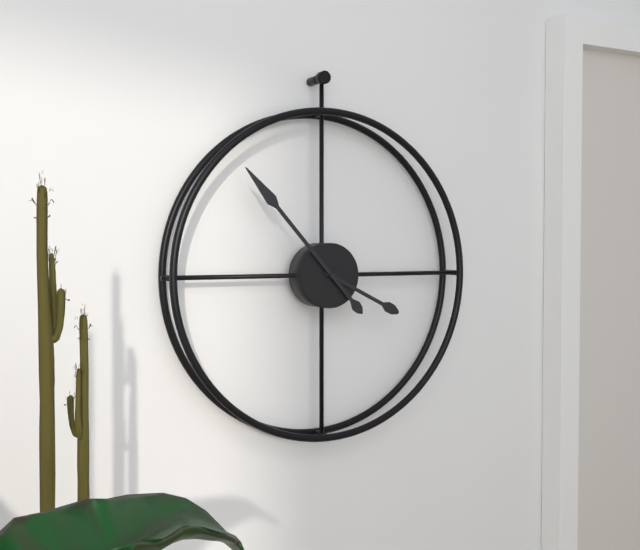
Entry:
3.53
